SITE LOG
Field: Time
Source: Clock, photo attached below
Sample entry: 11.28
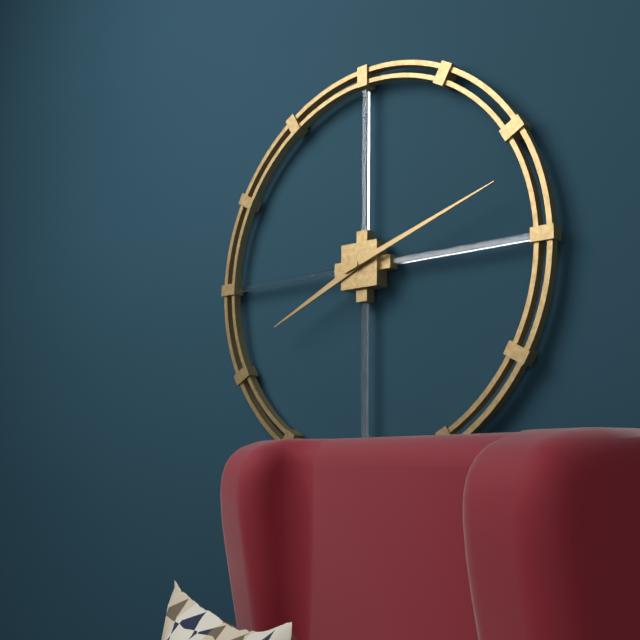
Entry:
8.12
